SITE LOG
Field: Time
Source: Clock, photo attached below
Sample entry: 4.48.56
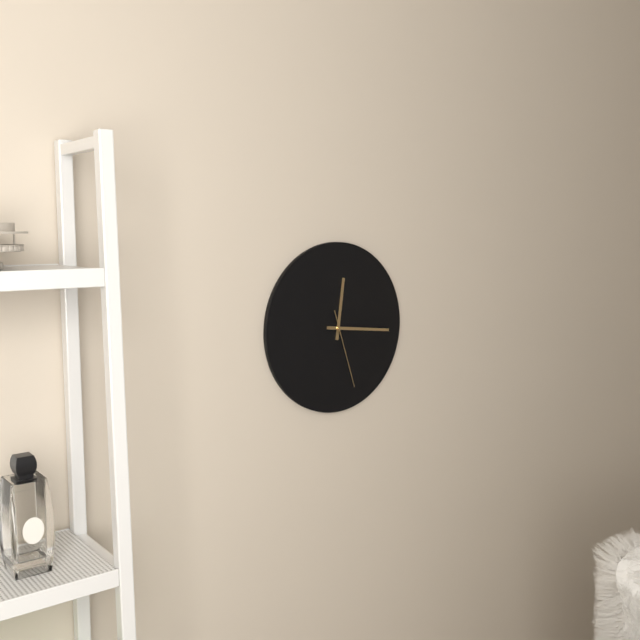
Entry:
12.16.27
